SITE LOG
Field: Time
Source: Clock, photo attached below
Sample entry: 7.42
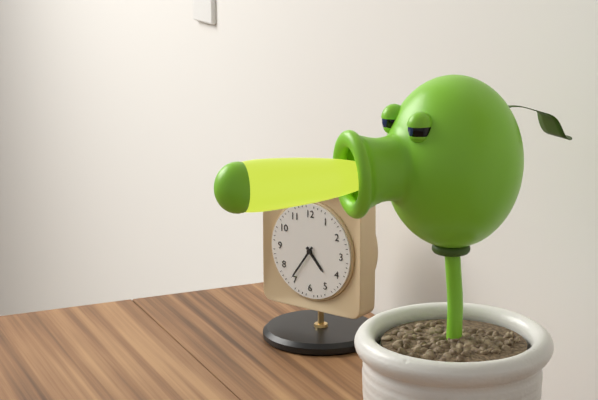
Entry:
4.36
